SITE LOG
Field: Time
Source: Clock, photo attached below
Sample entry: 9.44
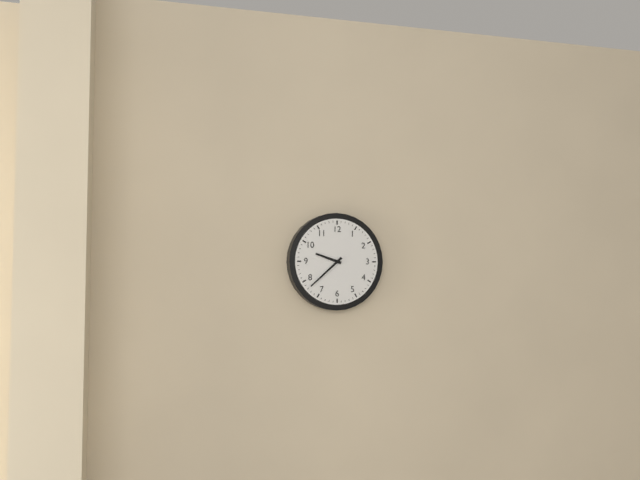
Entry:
9.38
